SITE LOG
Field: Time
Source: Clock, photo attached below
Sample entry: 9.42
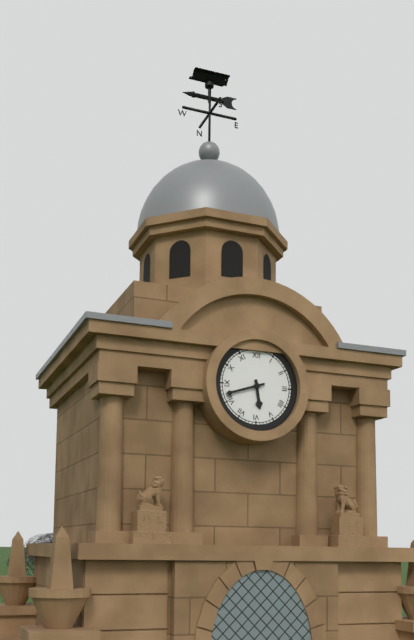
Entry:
5.42
